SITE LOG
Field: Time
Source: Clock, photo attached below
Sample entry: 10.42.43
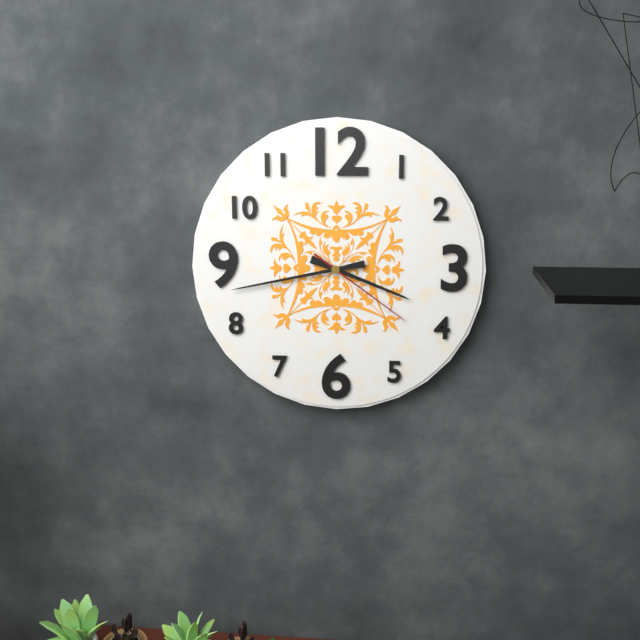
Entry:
3.43.21
